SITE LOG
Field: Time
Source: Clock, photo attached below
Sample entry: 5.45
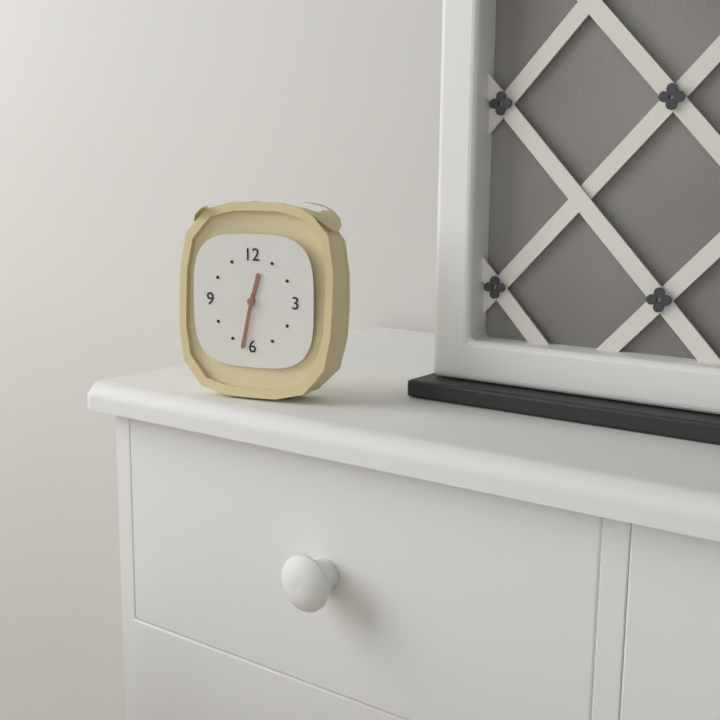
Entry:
12.32
